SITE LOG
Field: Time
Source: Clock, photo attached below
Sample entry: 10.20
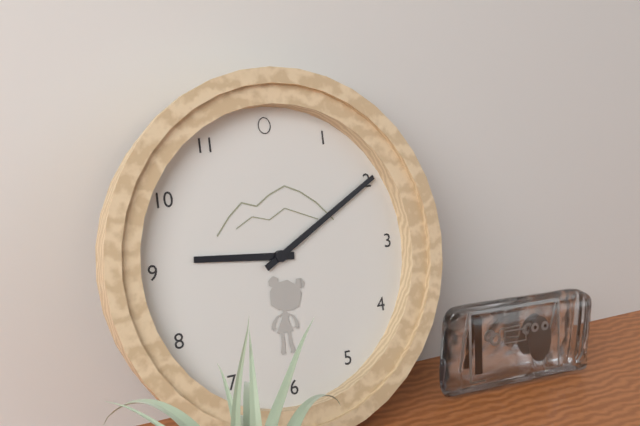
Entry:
9.10
